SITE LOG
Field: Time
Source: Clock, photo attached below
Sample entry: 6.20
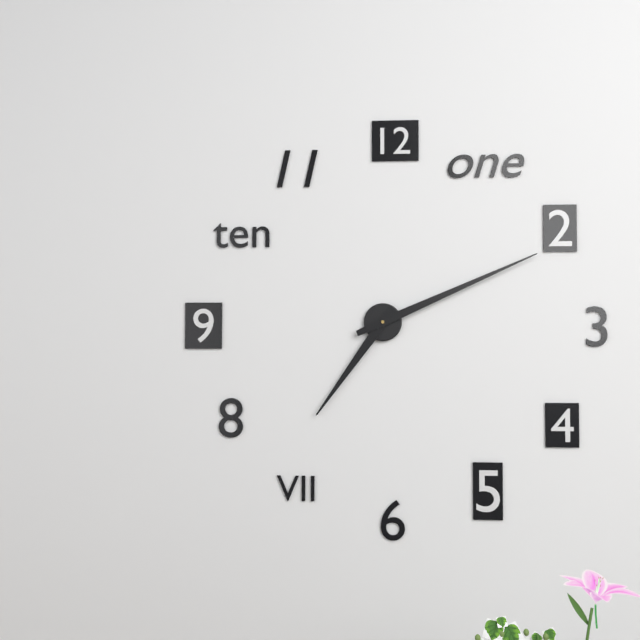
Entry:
7.11
